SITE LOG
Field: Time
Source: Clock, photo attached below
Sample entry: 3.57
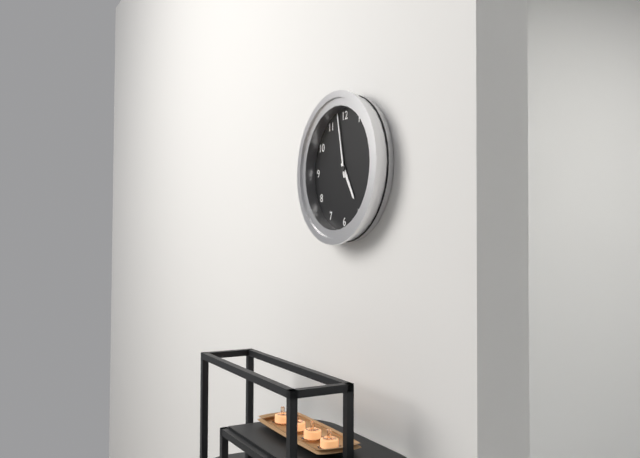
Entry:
4.58
